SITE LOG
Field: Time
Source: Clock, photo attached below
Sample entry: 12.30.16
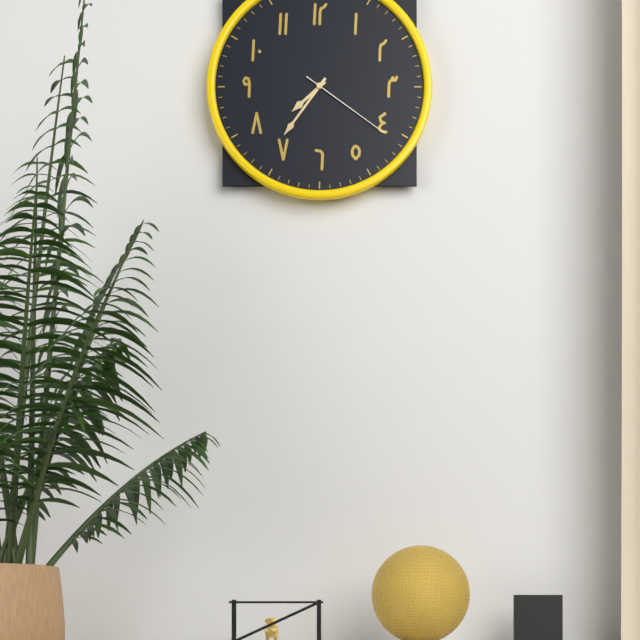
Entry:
7.36.21
